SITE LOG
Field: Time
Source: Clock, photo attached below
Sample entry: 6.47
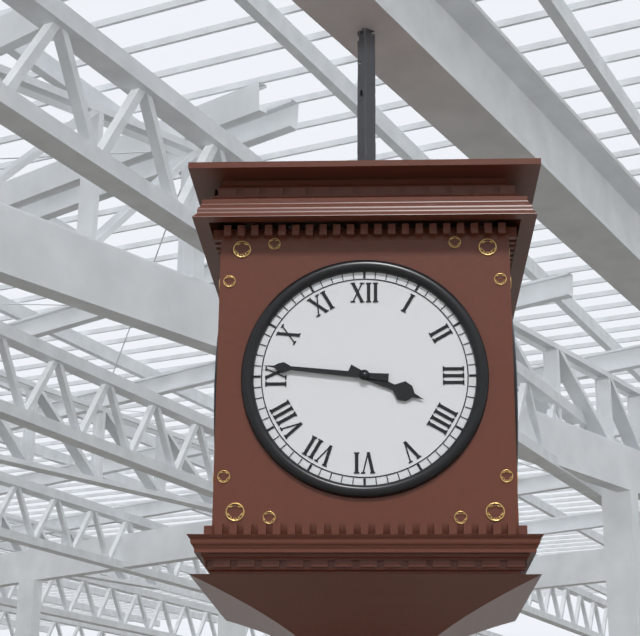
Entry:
3.46
